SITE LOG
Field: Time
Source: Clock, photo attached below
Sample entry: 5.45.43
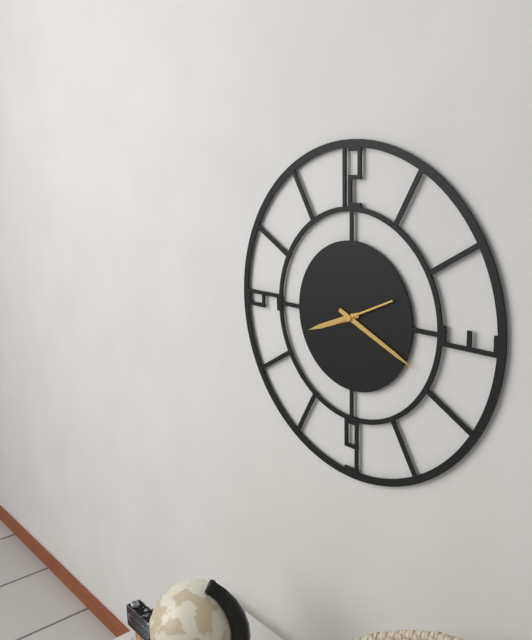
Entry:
8.19.11
